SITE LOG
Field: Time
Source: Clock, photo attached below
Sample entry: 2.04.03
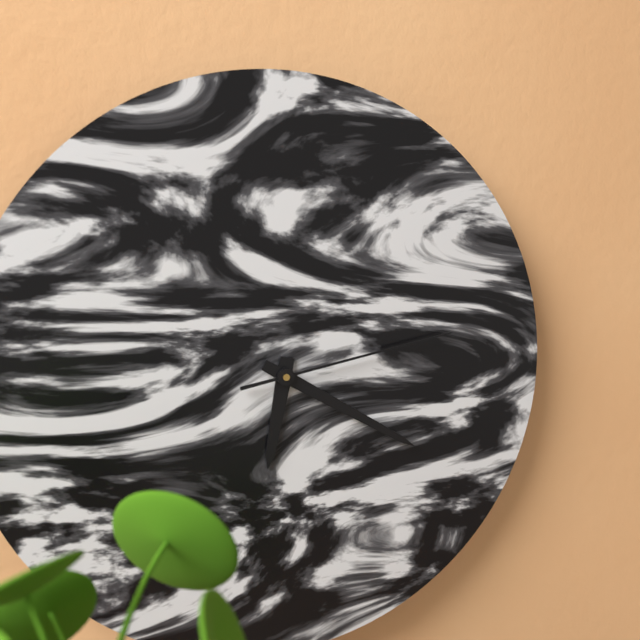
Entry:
6.20.13
